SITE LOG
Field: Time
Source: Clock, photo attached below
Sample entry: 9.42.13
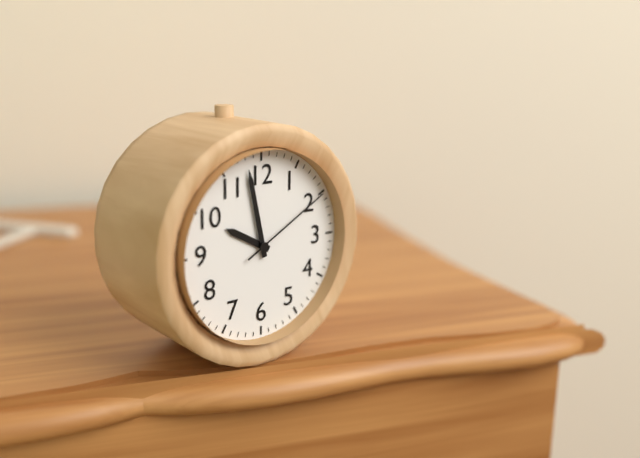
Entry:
9.58.10
